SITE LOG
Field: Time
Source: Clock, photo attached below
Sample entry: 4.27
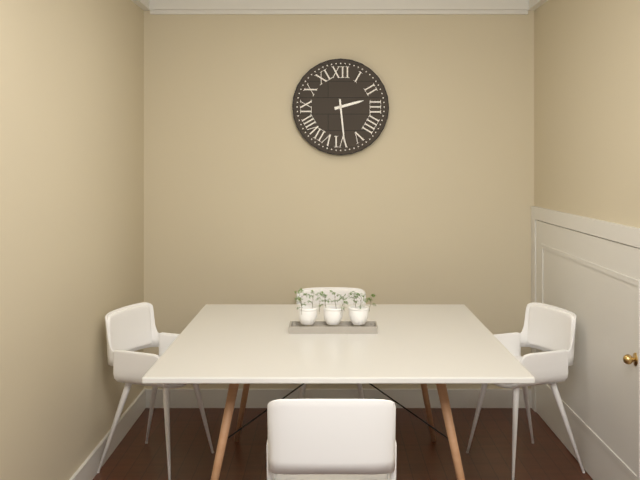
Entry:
2.29
